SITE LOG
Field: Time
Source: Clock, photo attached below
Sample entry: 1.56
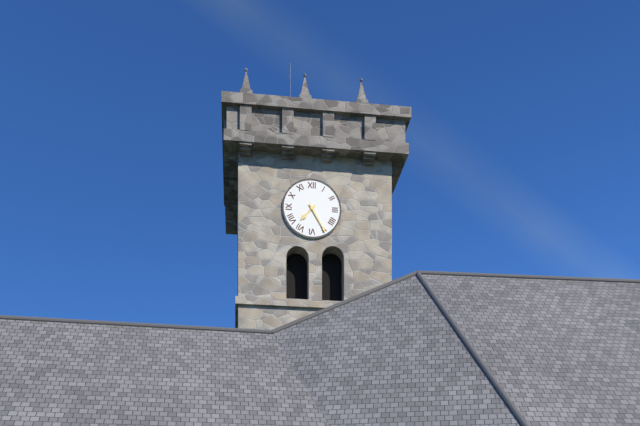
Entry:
7.25
